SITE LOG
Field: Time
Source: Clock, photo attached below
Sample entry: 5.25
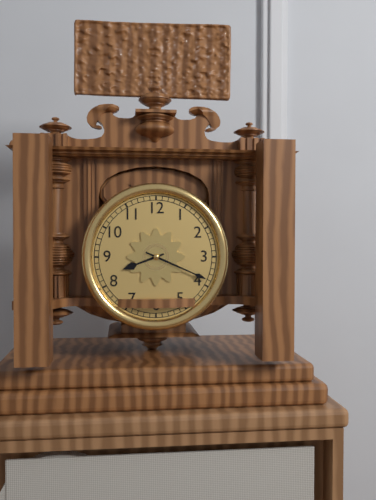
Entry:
8.19
